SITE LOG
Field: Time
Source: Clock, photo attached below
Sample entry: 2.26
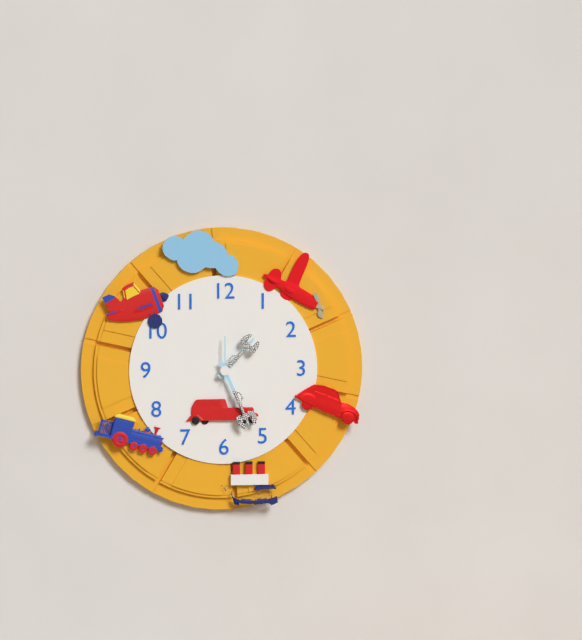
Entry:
1.26
